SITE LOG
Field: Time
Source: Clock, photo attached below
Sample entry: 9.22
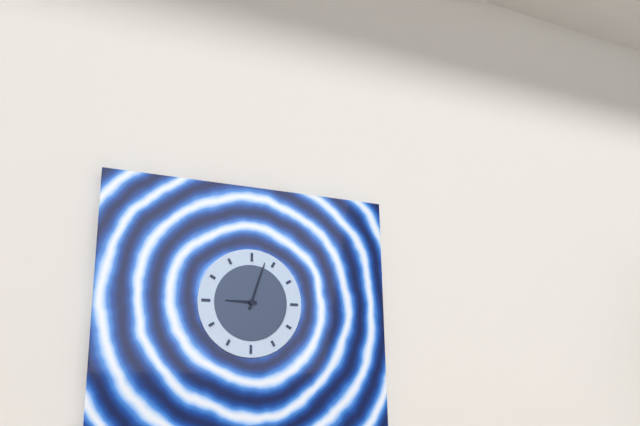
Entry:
9.03
